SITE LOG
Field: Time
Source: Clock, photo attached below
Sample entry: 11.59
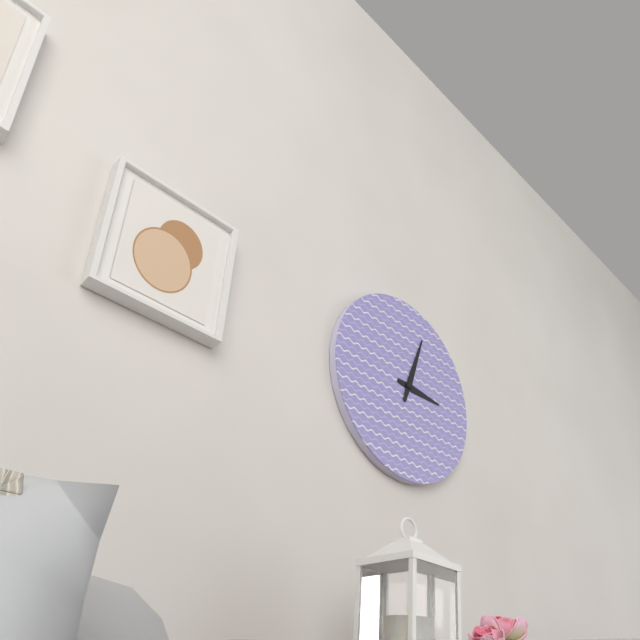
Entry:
3.03
